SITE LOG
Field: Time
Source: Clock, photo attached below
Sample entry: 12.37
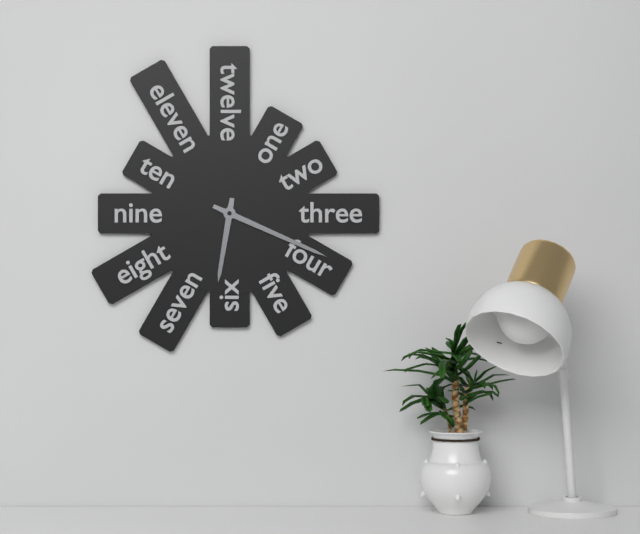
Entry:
6.19
